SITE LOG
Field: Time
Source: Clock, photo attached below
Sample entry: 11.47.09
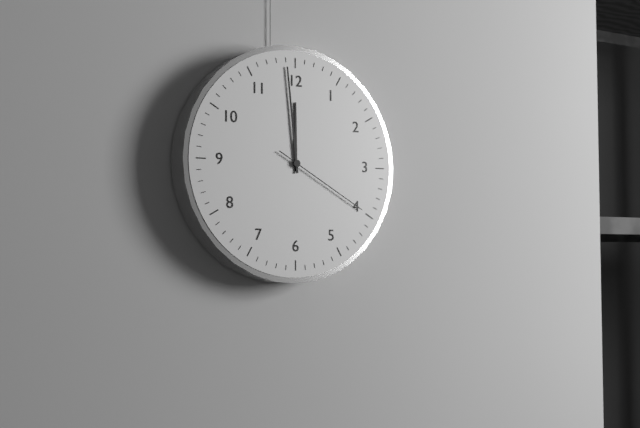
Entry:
11.59.20
